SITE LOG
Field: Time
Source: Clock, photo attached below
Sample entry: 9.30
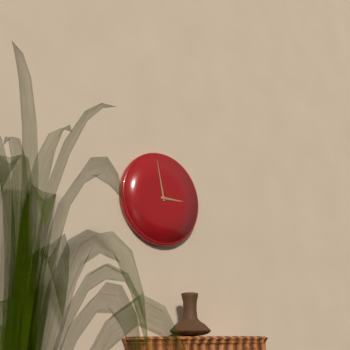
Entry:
2.58
